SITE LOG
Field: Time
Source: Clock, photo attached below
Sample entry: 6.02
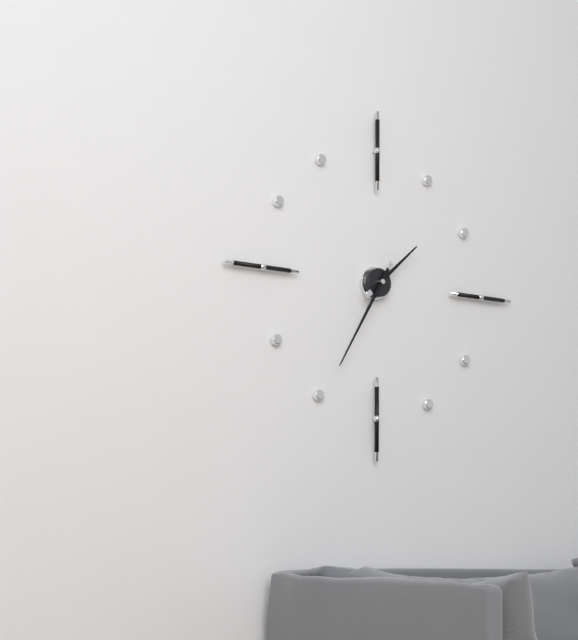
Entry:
1.35
